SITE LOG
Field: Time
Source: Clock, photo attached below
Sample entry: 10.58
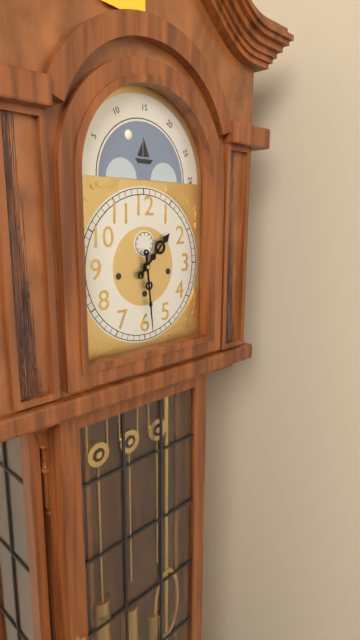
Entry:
1.29
